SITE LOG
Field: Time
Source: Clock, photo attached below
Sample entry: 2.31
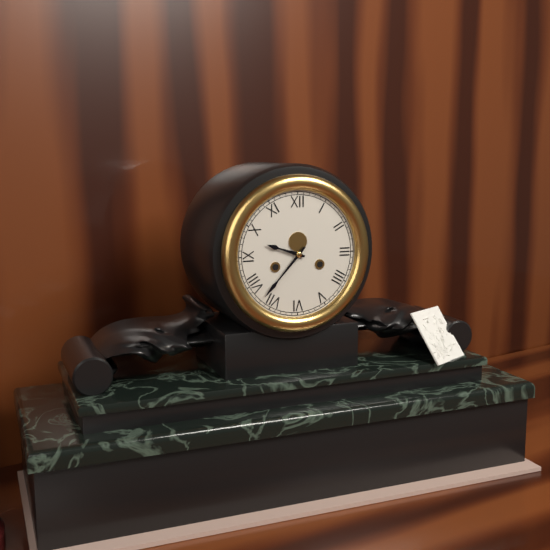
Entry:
9.37
